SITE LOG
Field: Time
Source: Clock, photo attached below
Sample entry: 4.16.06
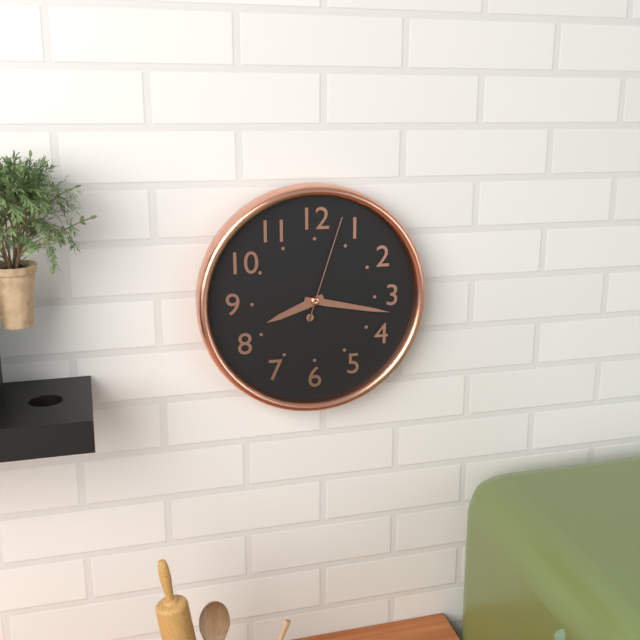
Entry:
8.17.03
